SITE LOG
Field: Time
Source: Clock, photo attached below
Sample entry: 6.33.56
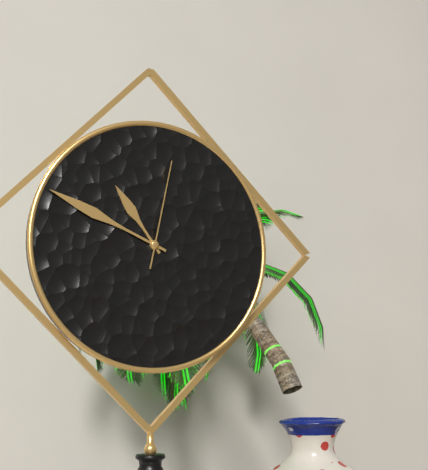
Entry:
10.49.02
